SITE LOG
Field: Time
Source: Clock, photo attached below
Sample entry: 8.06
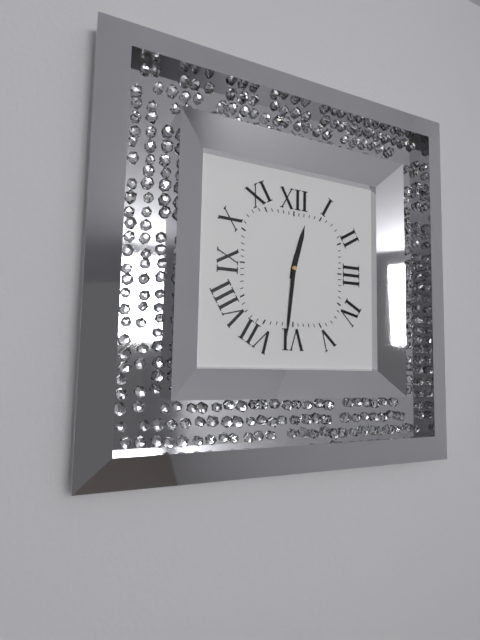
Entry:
12.31
